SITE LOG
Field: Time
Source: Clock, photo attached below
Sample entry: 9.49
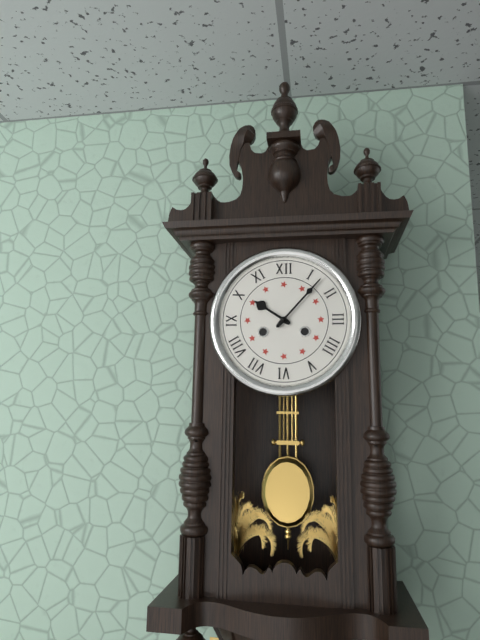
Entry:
10.07
